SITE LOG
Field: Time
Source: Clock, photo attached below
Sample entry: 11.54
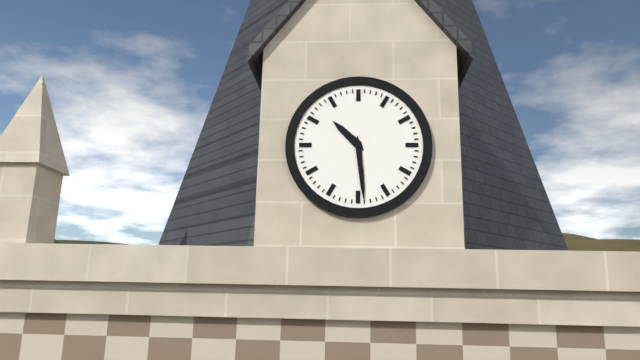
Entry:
10.29
